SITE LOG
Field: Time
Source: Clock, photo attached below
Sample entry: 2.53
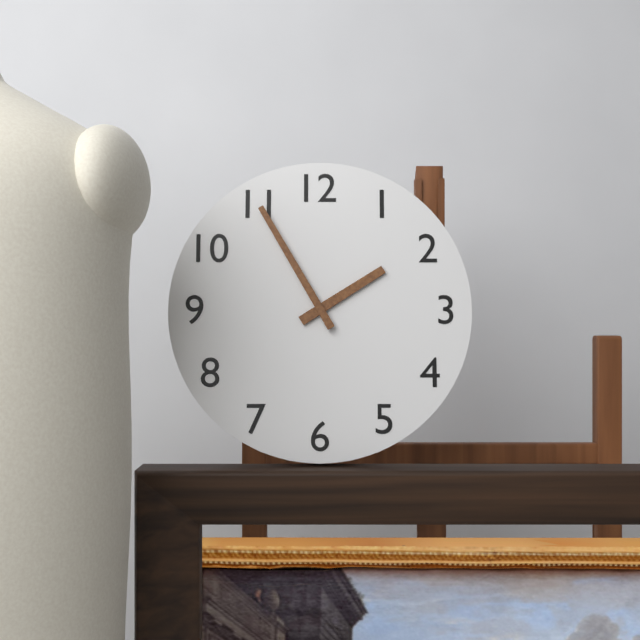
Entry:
1.55
